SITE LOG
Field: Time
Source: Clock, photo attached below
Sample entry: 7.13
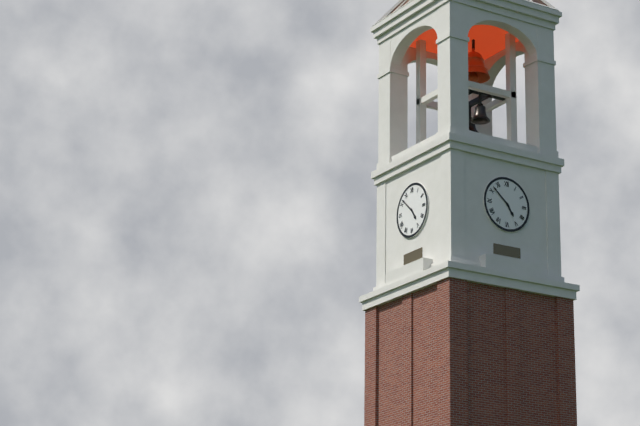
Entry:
4.52
